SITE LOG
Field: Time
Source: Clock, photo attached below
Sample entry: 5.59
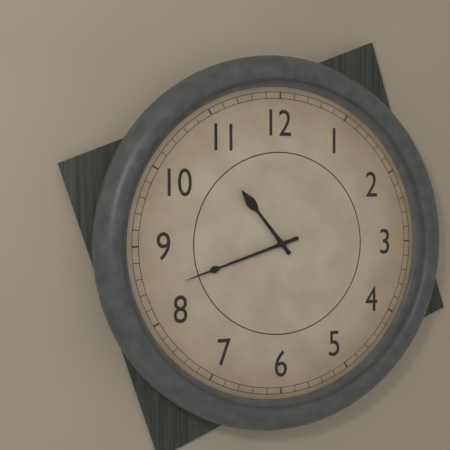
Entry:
10.42
